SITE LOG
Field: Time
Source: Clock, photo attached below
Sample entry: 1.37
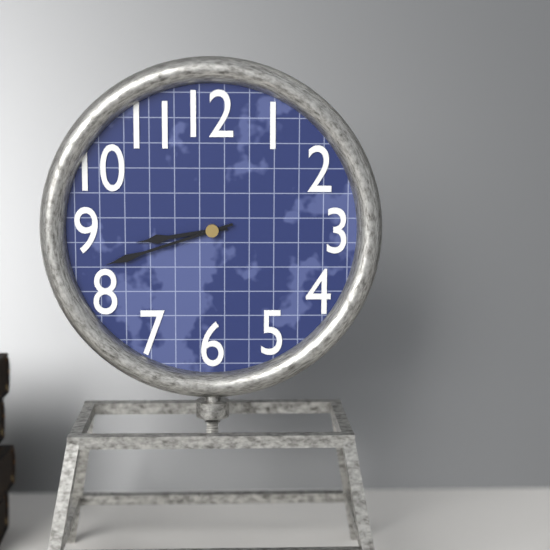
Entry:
8.42
